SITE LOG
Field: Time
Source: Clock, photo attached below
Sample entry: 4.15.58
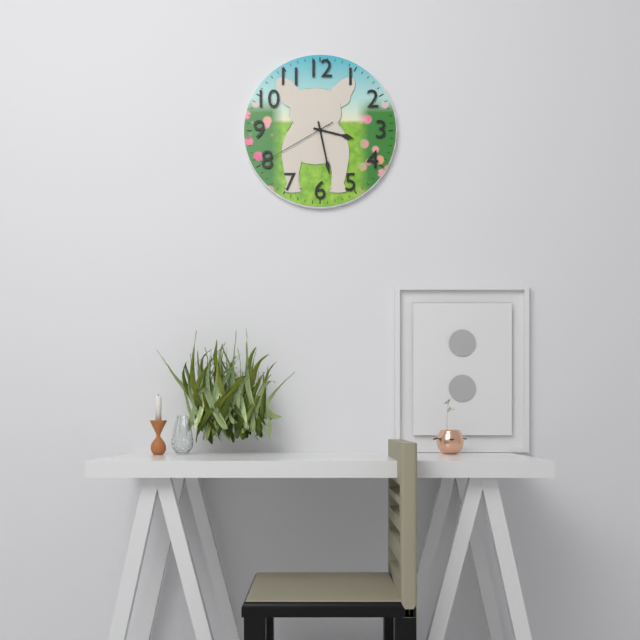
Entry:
3.28.40
